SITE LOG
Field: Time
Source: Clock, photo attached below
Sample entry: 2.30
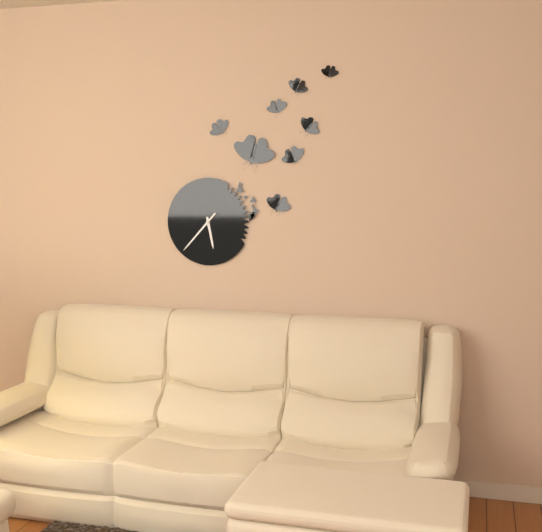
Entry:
5.37
